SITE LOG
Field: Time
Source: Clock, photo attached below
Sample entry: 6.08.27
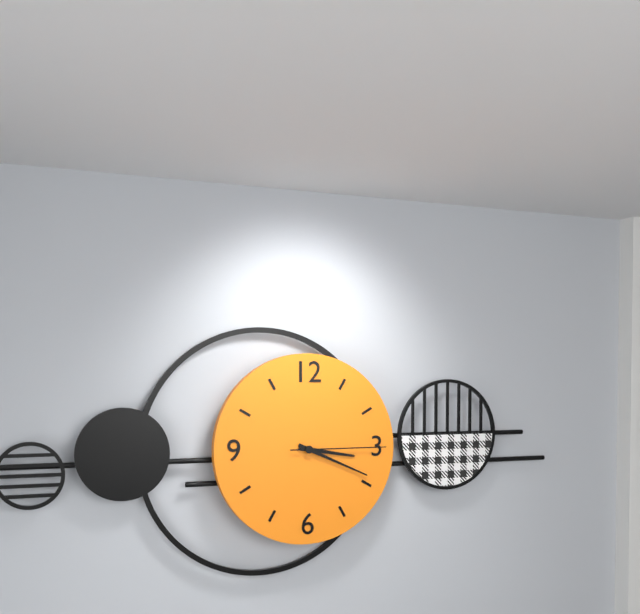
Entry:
3.19.15
